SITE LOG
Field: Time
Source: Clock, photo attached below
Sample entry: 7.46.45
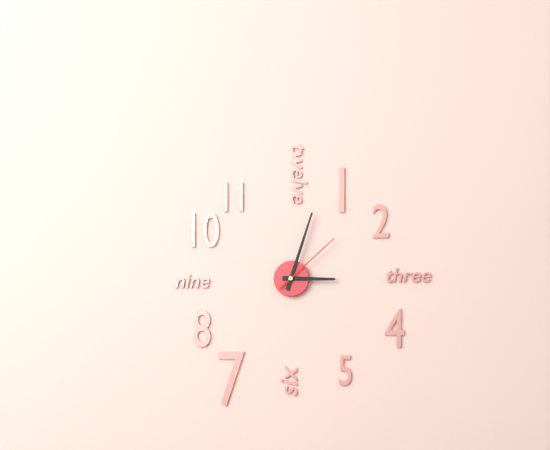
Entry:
3.03.08
